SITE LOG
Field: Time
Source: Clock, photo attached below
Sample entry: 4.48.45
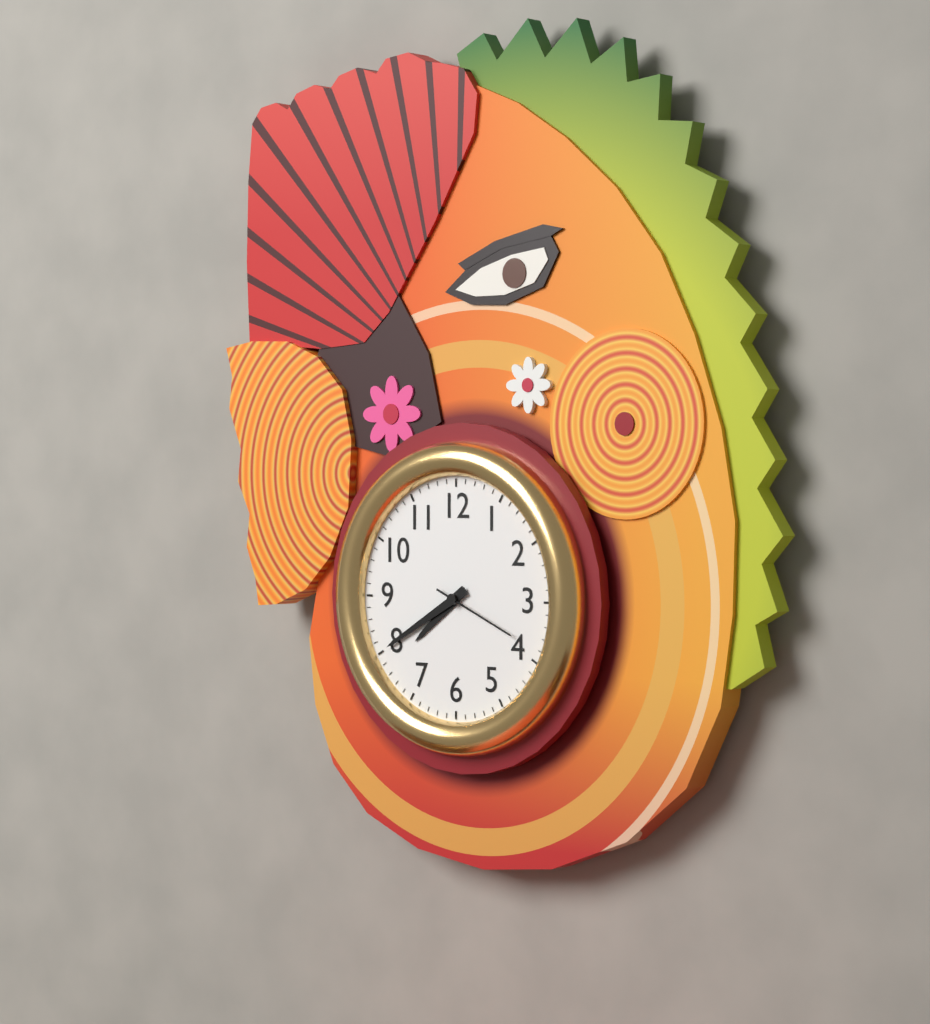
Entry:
7.40.19
